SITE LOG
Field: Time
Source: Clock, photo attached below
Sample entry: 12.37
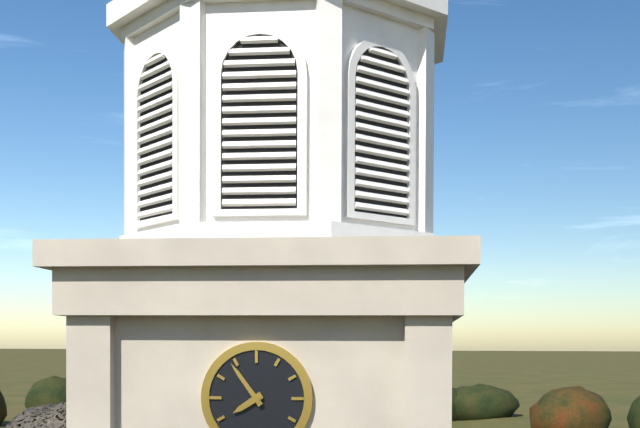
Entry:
7.54
